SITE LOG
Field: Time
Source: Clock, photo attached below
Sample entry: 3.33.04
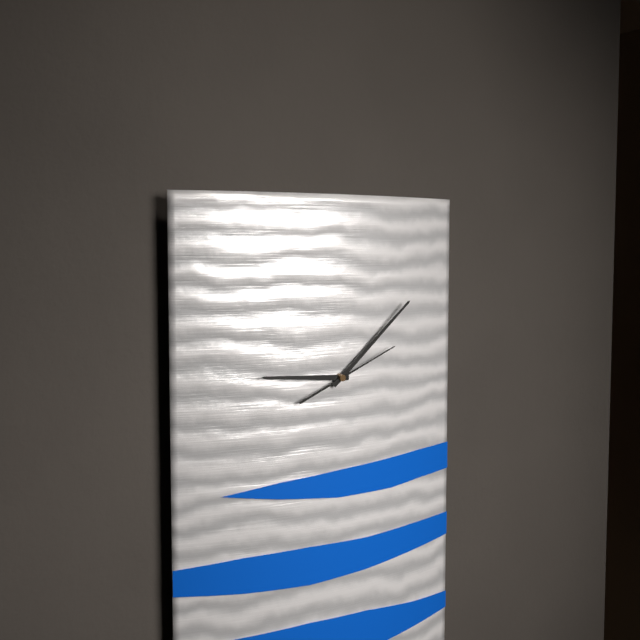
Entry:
9.08.11
